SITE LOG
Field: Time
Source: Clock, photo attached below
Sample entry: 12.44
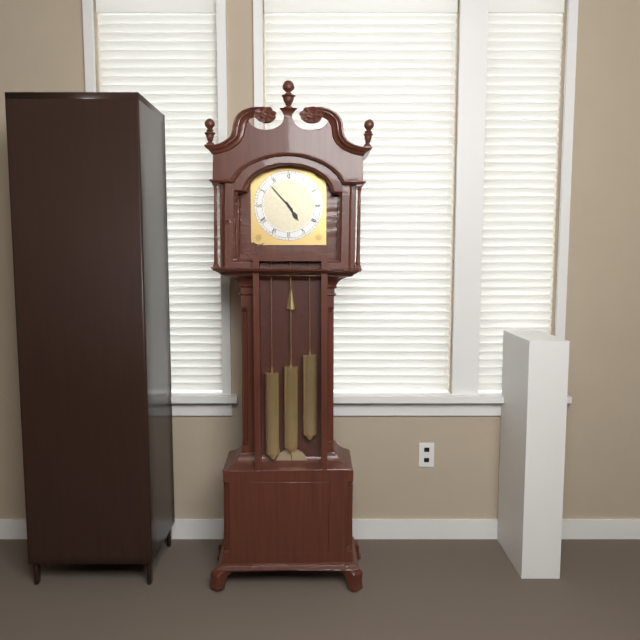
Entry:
4.53
